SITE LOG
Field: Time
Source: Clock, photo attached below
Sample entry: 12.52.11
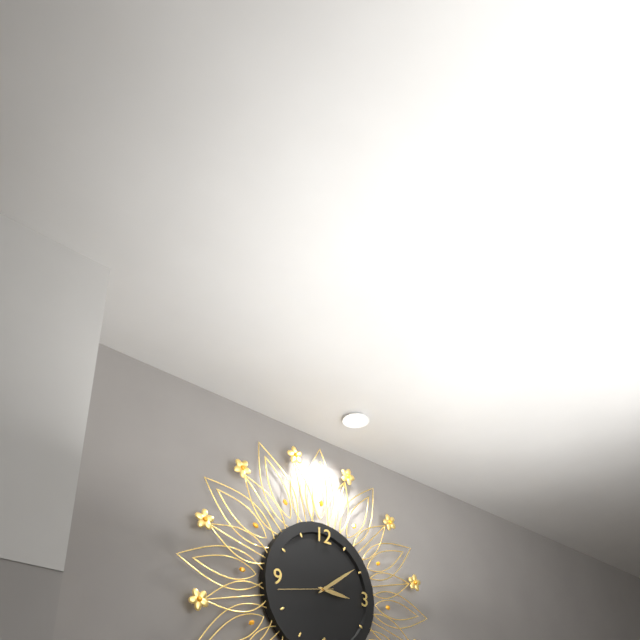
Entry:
3.09.43
